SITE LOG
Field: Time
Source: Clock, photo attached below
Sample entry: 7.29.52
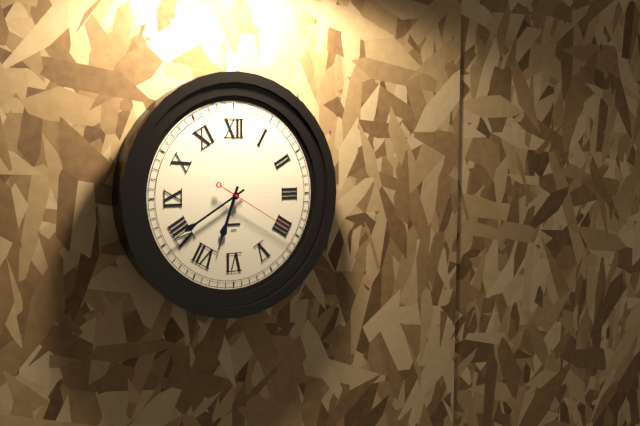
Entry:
6.40.20
